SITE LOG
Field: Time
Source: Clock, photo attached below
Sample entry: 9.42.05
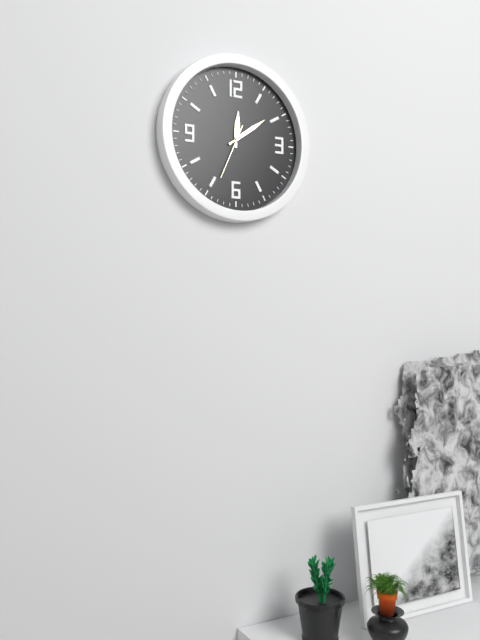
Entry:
12.09.34
